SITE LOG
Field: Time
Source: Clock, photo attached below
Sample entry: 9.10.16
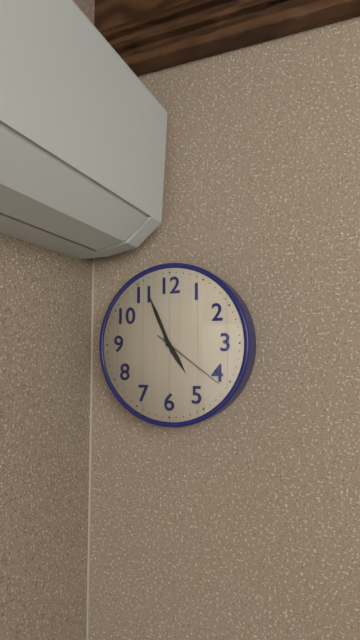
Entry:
4.56.21
